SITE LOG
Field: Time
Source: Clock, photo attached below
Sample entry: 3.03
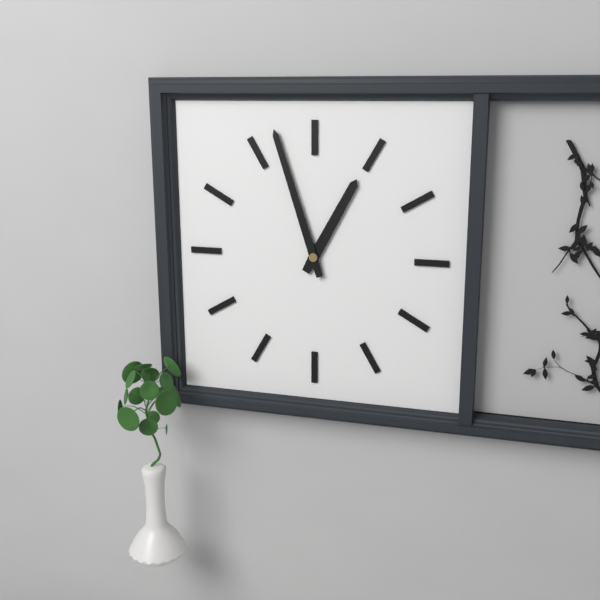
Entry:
12.57
